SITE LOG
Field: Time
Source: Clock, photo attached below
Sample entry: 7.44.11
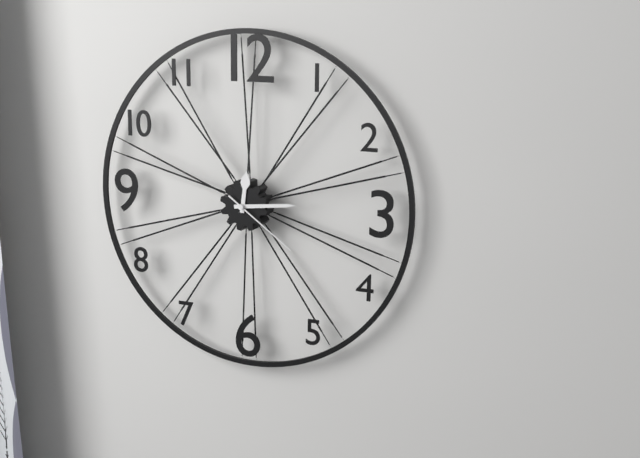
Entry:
12.14.21
